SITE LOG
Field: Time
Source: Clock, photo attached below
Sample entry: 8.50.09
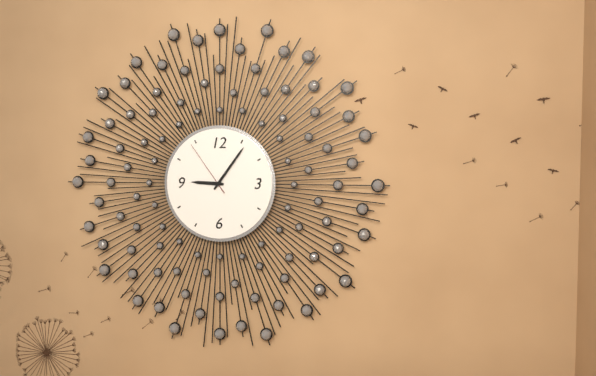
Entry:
9.06.54
